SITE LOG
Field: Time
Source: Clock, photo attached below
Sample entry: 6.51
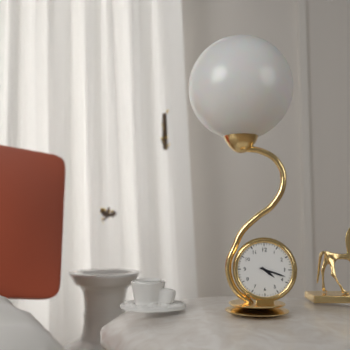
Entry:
4.18
